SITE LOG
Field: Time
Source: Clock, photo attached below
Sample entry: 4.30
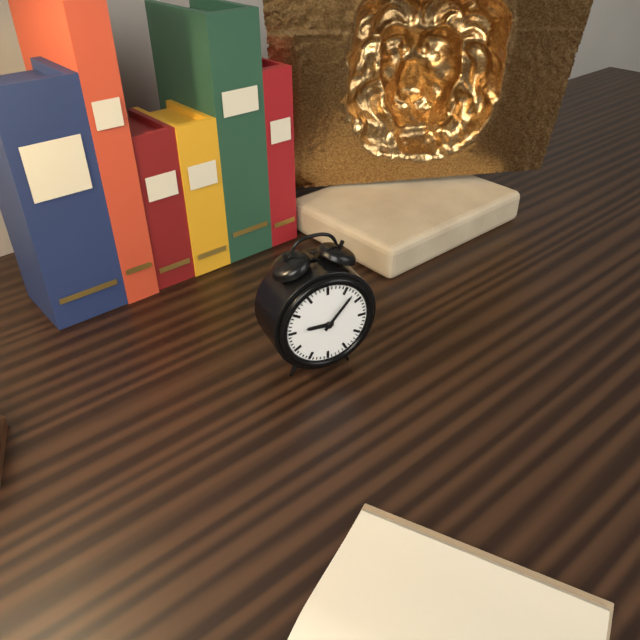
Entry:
9.07
